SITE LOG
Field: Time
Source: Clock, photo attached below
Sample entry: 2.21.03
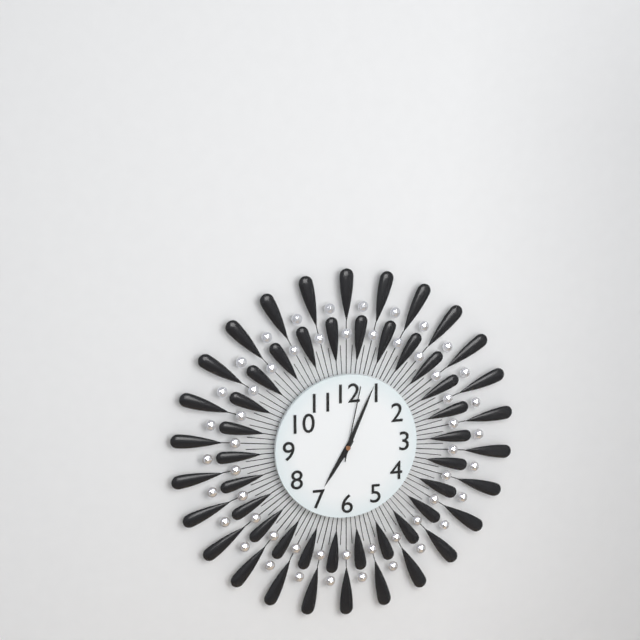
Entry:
7.04.02
